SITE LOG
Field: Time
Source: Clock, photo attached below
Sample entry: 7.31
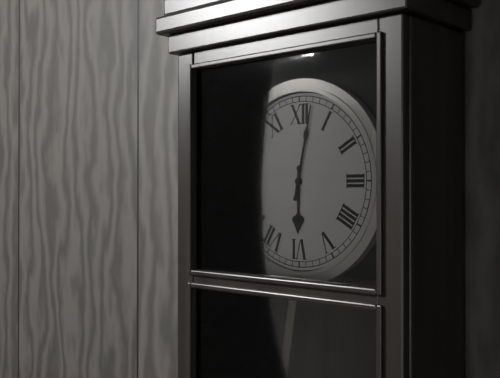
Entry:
6.02
